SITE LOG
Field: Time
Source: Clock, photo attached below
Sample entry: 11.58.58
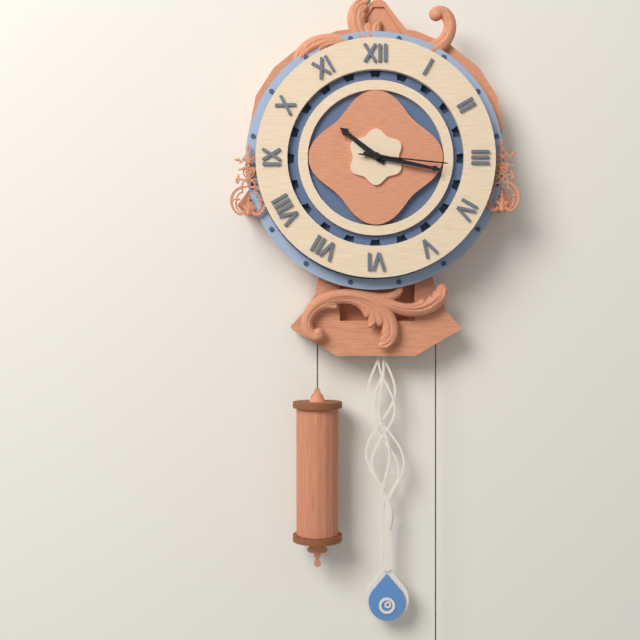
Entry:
10.17.16
